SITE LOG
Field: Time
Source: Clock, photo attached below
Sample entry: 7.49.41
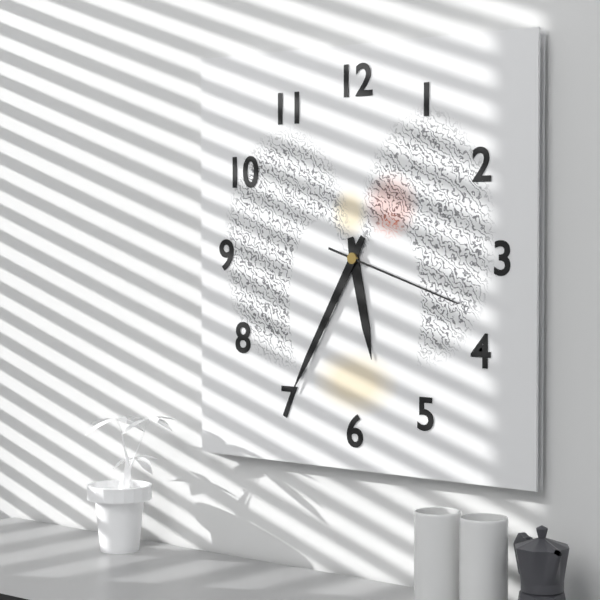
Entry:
5.35.18
